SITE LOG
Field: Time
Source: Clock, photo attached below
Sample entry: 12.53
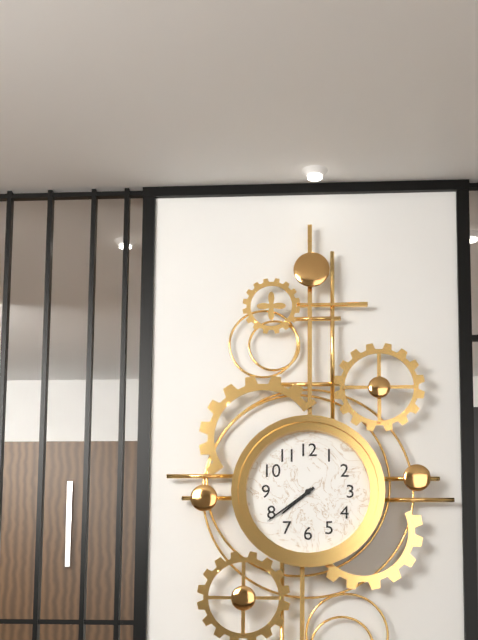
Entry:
7.39
